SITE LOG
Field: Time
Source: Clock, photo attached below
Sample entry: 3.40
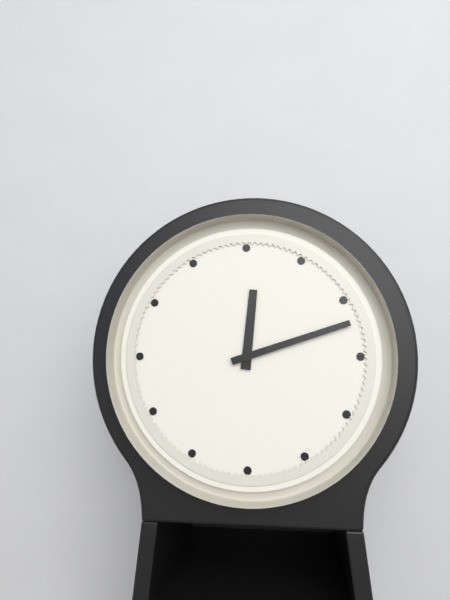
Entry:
12.12
